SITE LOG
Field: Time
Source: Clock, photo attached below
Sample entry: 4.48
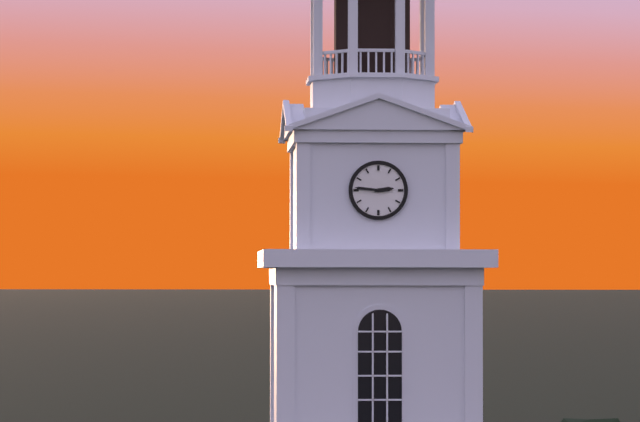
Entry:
2.46
